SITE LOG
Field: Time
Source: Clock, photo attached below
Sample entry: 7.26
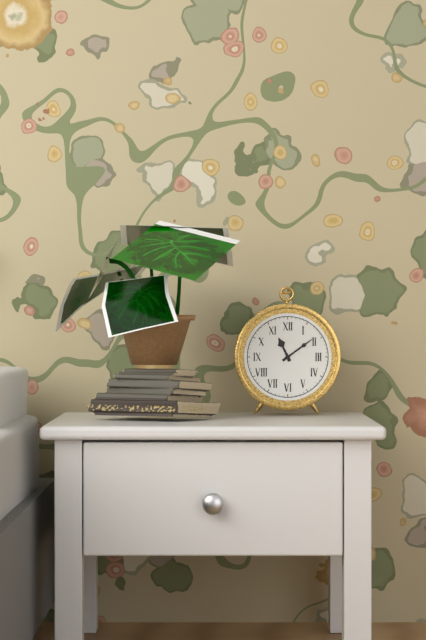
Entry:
11.09
